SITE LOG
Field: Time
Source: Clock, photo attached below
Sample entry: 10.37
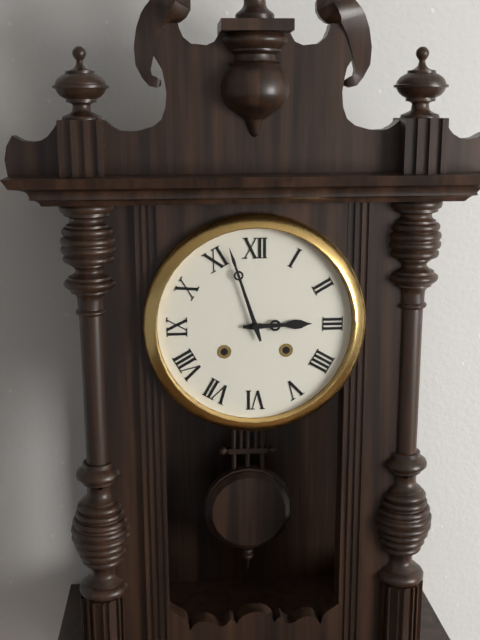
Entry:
2.57
